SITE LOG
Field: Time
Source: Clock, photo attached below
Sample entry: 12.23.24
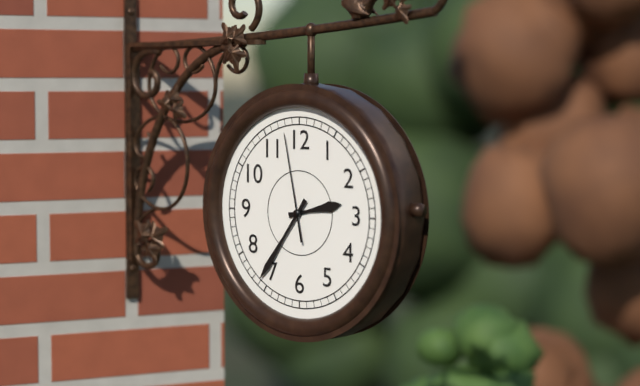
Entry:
2.36.58
